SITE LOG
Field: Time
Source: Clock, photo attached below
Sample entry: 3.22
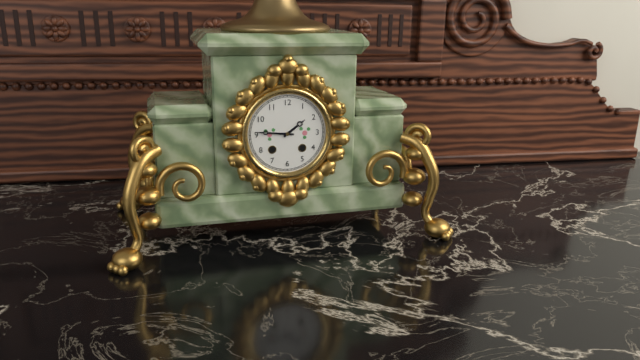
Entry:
1.46
